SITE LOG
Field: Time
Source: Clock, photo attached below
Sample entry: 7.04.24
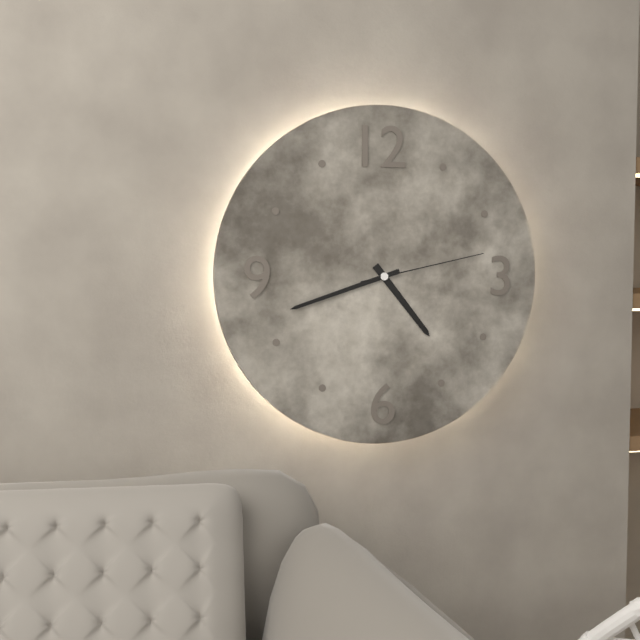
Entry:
4.42.13
